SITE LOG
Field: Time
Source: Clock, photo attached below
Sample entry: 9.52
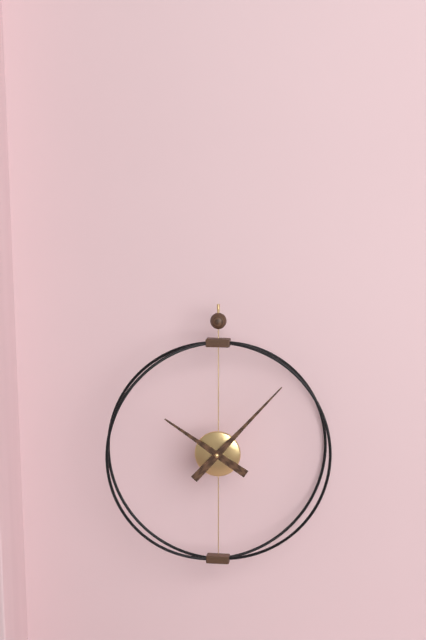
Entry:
10.07
